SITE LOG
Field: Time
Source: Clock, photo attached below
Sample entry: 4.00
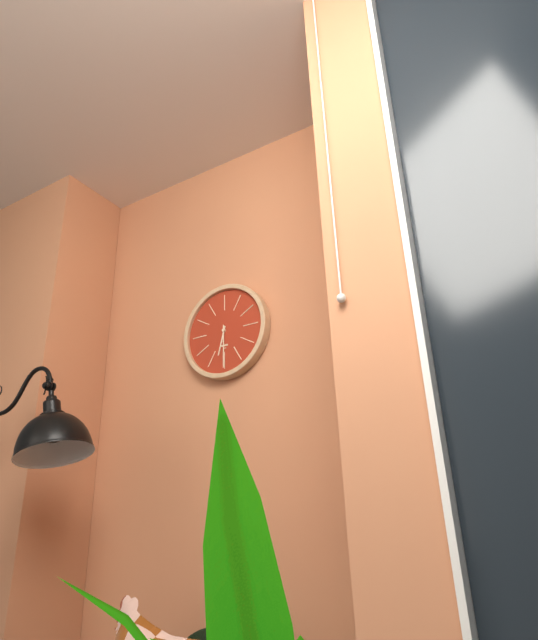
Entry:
6.30
